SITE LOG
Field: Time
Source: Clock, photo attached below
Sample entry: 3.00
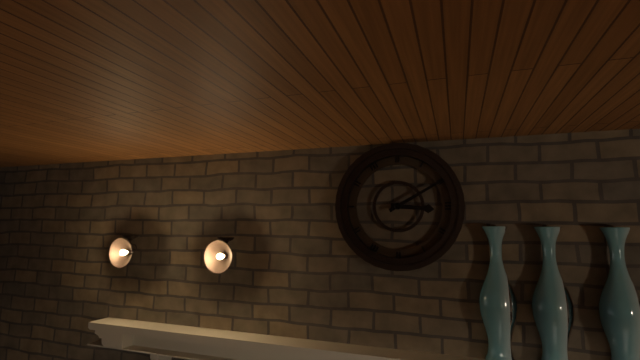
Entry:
3.10
